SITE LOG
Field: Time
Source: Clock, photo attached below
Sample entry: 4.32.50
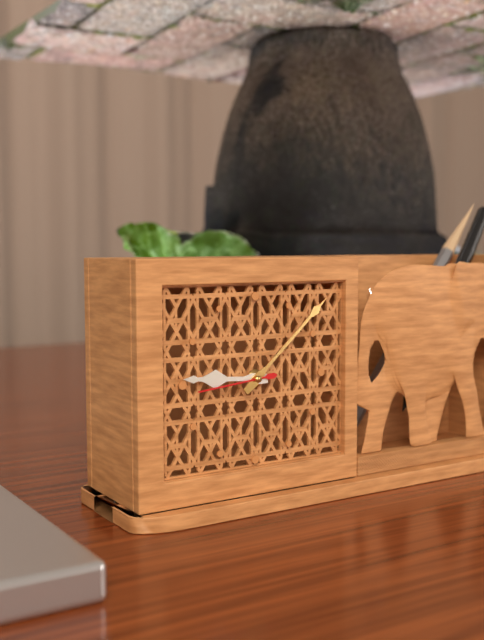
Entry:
9.08.44
